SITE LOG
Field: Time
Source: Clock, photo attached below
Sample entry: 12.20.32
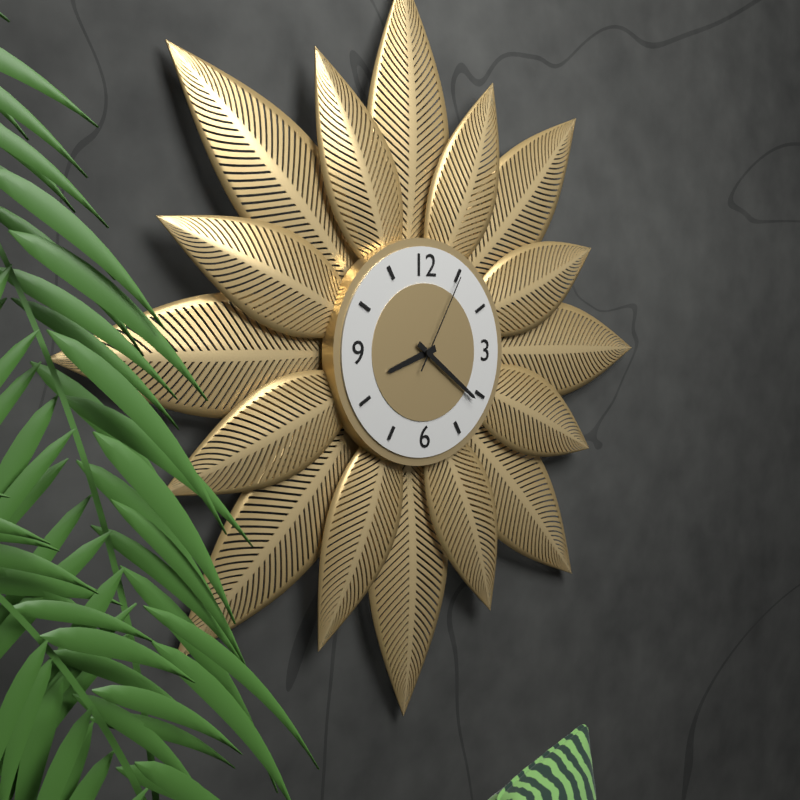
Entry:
8.21.05
